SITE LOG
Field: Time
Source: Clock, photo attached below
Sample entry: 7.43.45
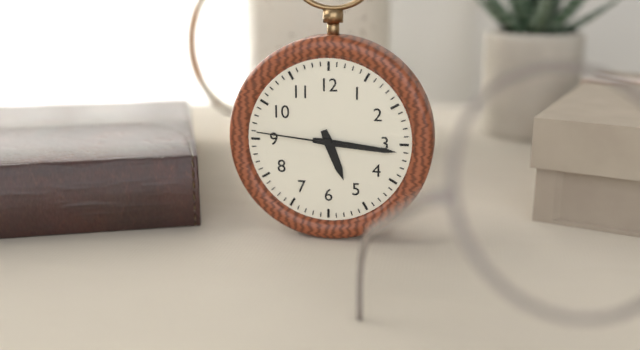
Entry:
5.16.46
